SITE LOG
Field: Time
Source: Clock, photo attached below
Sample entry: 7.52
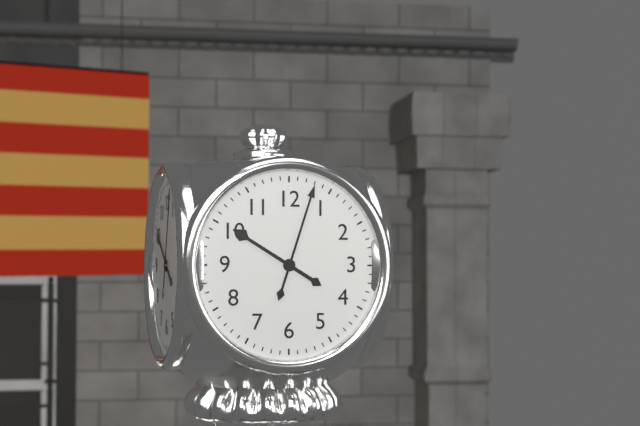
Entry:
10.03
